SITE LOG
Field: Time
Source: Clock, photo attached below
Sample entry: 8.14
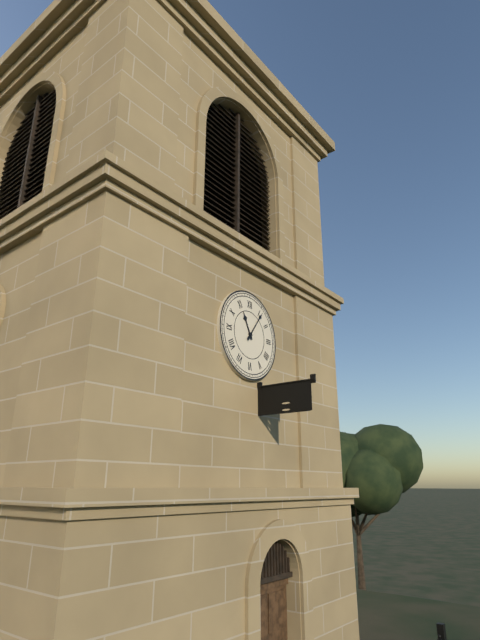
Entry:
11.06
